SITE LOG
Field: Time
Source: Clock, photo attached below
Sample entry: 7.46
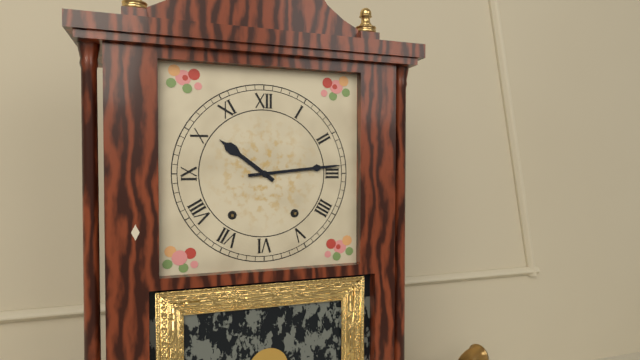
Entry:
10.14
